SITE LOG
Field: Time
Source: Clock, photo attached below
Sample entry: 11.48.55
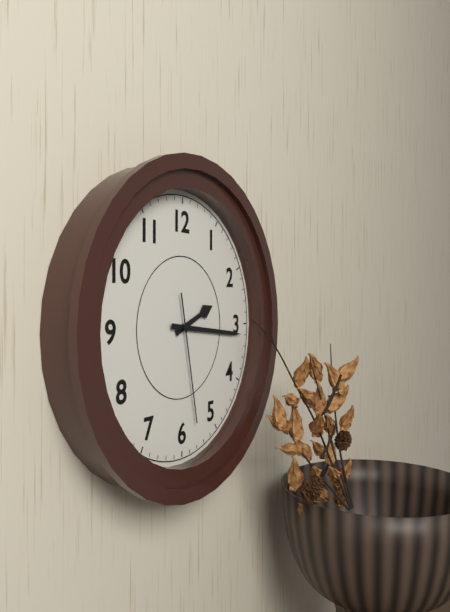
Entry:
2.16.28
